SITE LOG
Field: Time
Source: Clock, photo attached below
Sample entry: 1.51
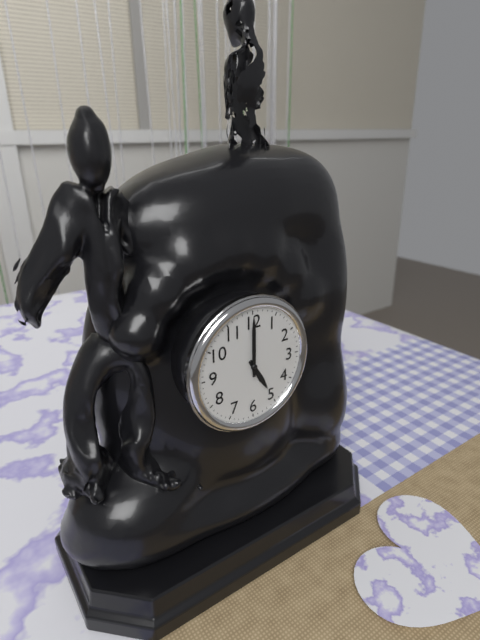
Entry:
5.00
